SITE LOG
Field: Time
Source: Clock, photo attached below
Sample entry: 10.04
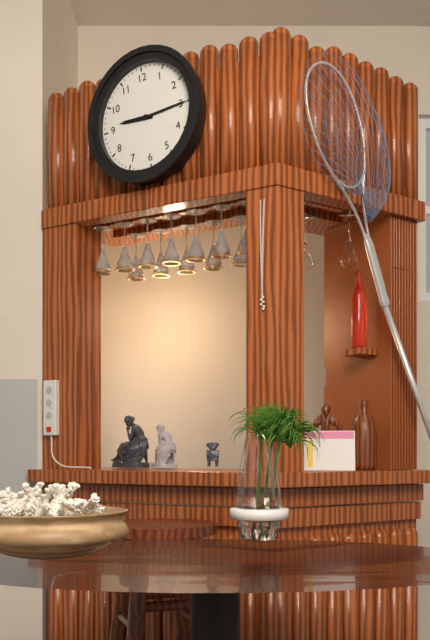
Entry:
9.15
